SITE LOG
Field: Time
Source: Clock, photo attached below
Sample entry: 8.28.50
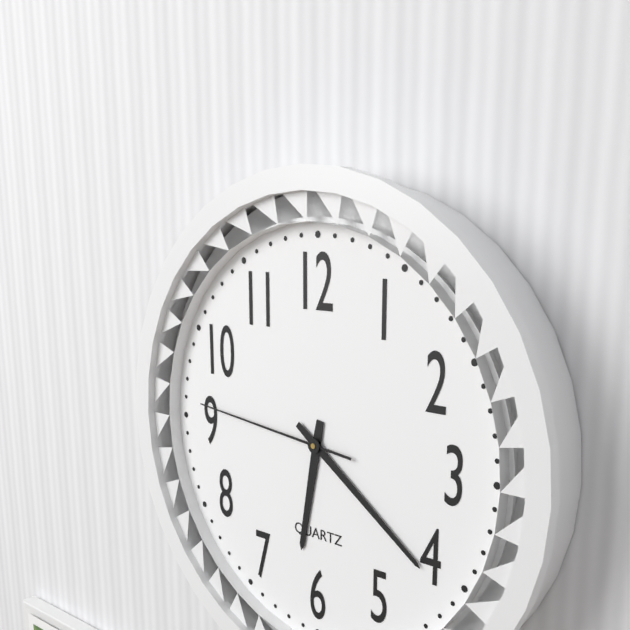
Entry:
6.21.46
